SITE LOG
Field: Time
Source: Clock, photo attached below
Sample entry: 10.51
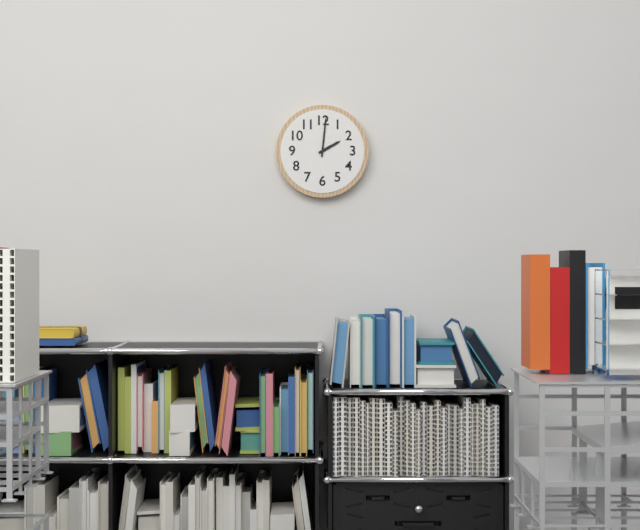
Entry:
2.01
